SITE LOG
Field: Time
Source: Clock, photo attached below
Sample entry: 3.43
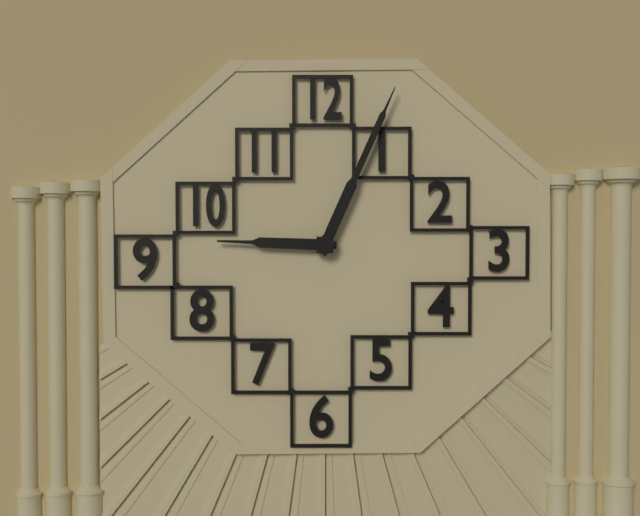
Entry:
9.04
